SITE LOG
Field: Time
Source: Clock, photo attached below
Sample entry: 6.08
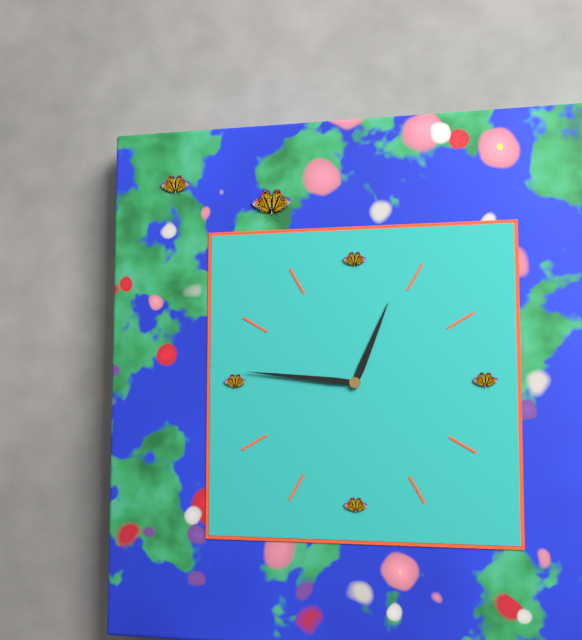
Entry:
12.46
